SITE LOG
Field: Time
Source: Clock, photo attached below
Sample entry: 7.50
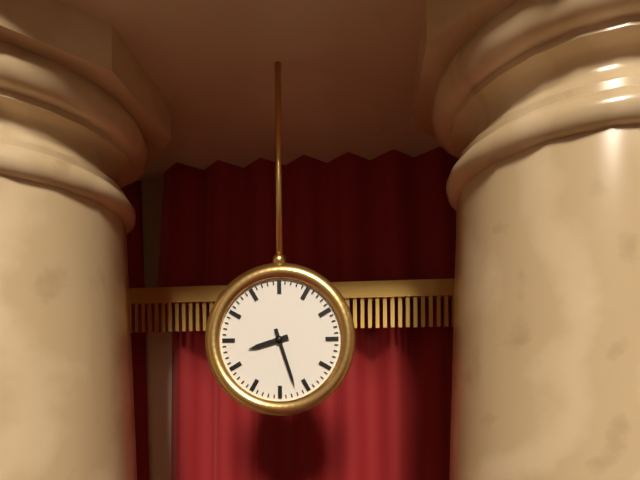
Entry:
8.27
